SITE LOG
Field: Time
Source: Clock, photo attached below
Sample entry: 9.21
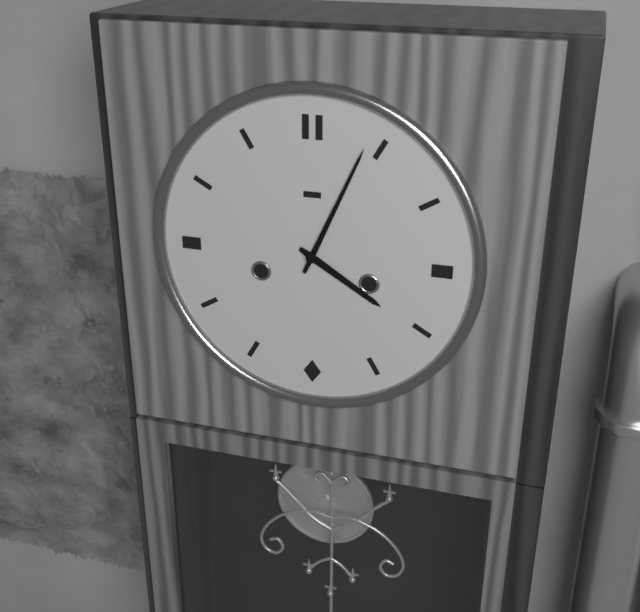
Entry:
4.04
